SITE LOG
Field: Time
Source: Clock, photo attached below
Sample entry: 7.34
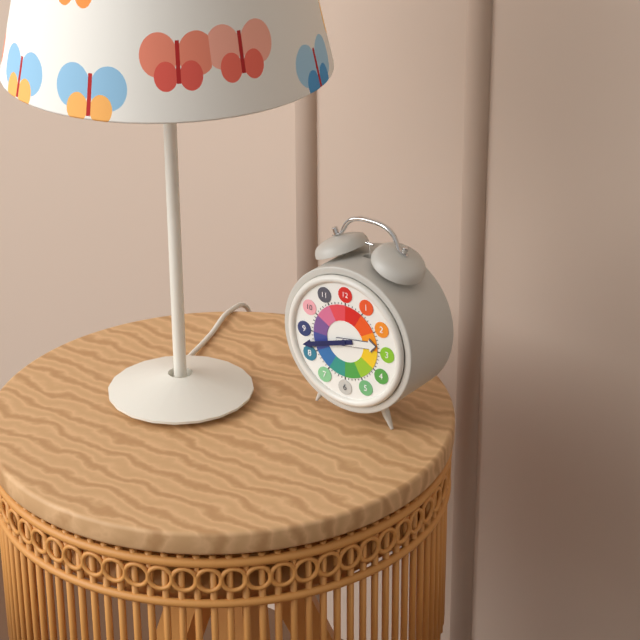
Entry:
2.42
